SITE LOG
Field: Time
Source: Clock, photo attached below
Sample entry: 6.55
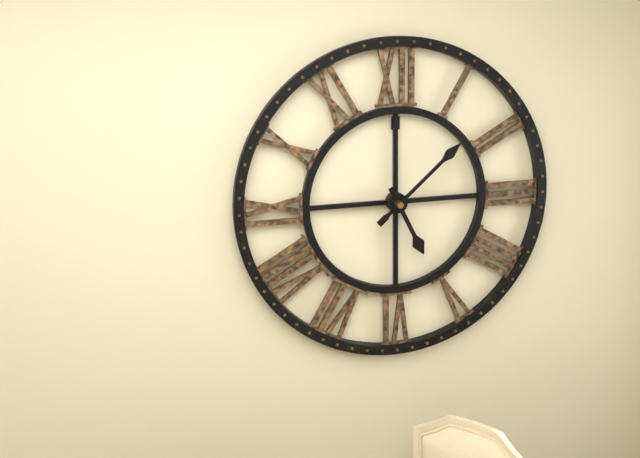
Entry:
5.08
